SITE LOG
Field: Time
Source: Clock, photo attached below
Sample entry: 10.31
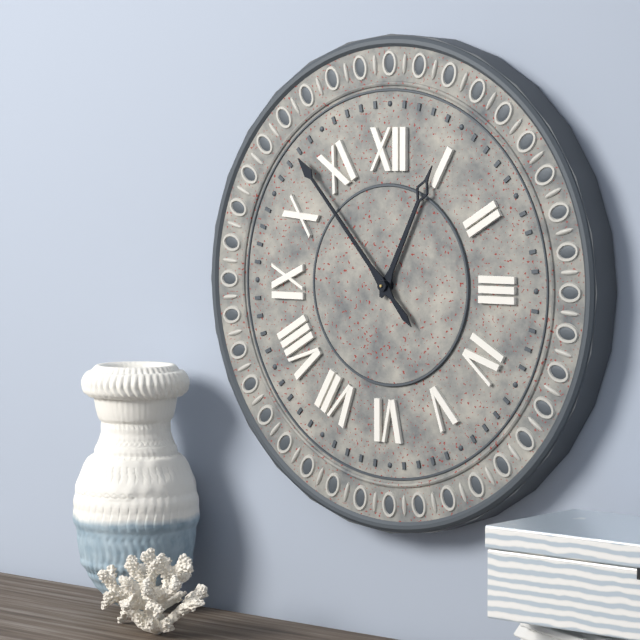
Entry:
12.53
